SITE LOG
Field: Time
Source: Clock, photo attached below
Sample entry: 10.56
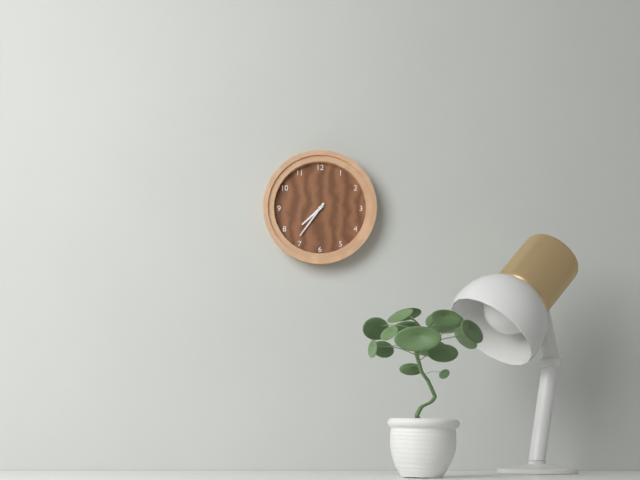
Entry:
7.36
